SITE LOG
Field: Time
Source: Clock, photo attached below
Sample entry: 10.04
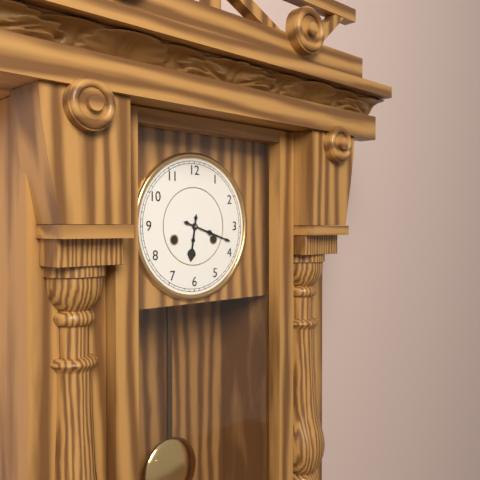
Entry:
6.18
